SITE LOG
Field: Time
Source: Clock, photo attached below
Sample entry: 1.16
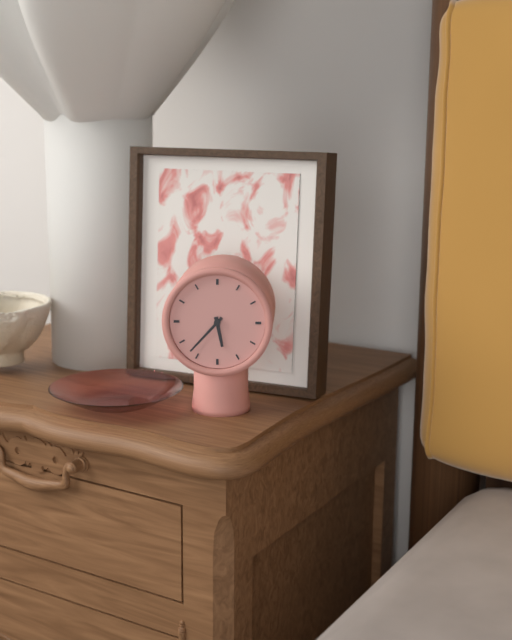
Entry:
5.37
